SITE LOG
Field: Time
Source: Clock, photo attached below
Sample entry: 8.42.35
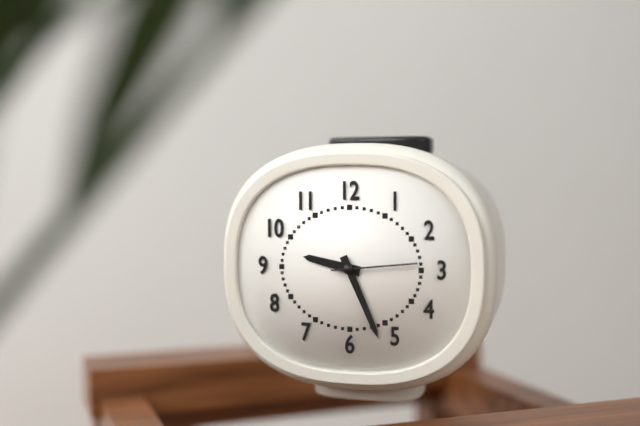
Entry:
9.26.14
